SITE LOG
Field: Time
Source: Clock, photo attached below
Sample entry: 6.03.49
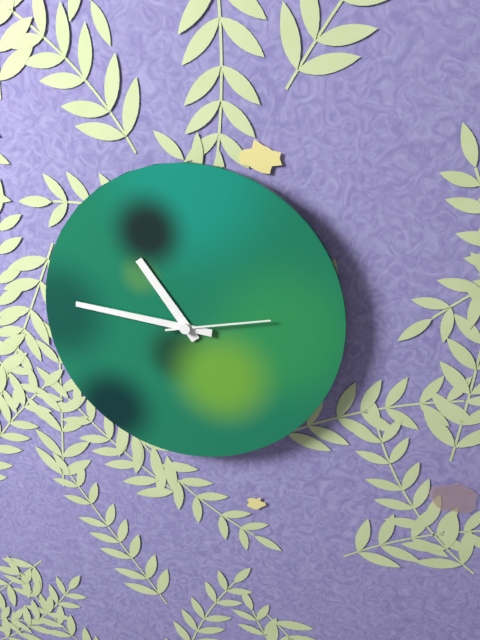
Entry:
10.46.13
